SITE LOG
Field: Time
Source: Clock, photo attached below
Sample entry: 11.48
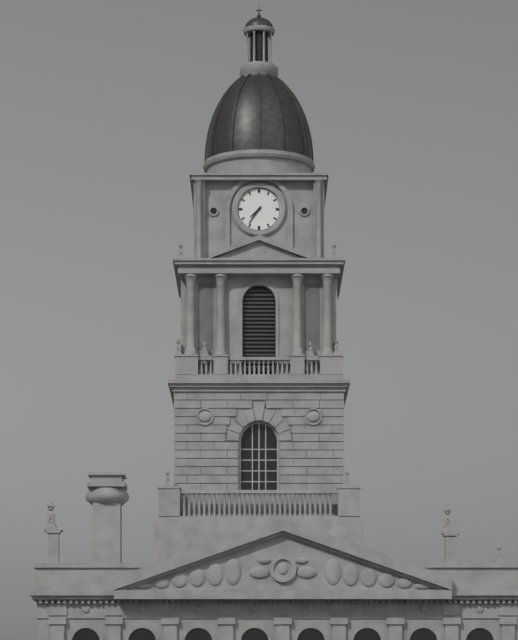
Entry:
7.36
